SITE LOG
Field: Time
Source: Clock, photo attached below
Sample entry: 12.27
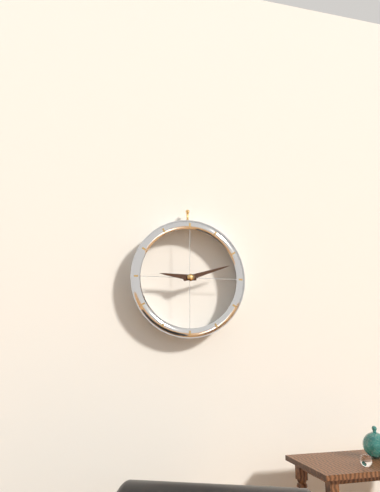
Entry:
9.12
